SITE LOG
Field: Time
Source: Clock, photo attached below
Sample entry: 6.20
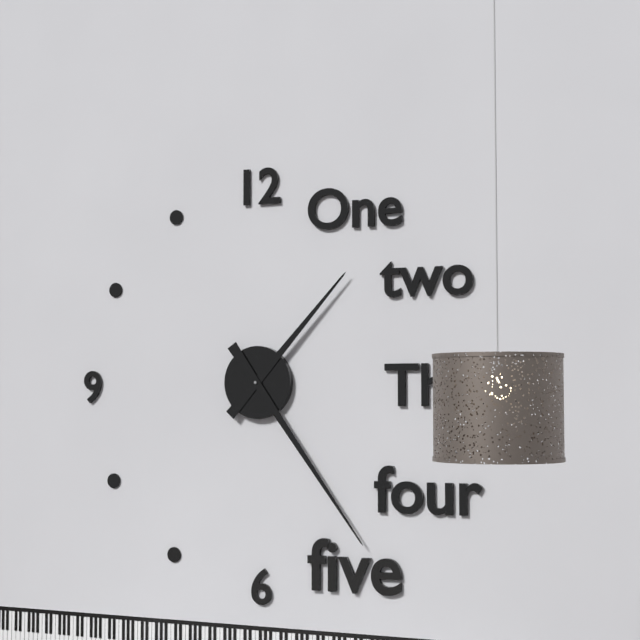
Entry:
1.24
